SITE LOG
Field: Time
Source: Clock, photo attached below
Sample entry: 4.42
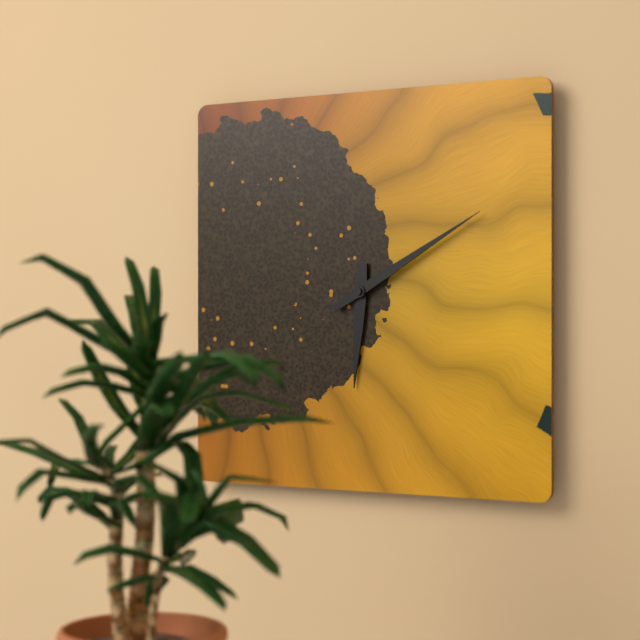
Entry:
6.10
